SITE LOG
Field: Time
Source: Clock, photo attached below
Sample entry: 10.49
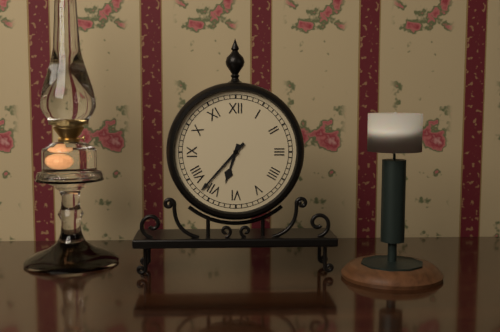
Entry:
6.37
